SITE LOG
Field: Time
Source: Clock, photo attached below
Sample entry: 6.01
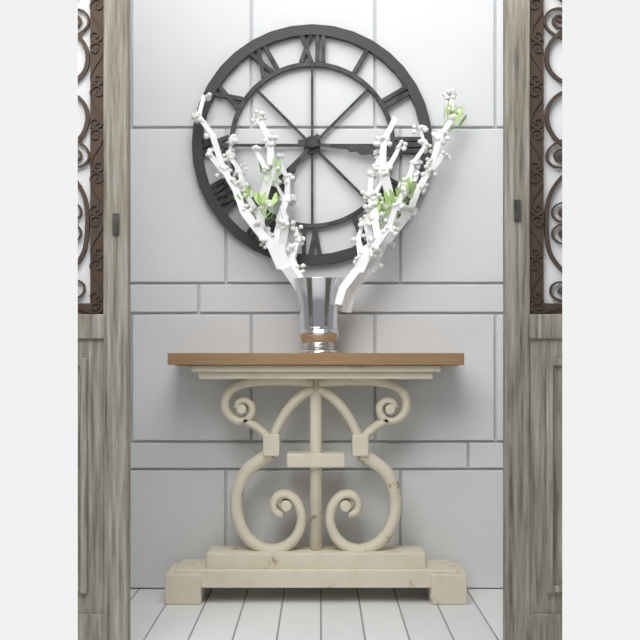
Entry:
7.16
